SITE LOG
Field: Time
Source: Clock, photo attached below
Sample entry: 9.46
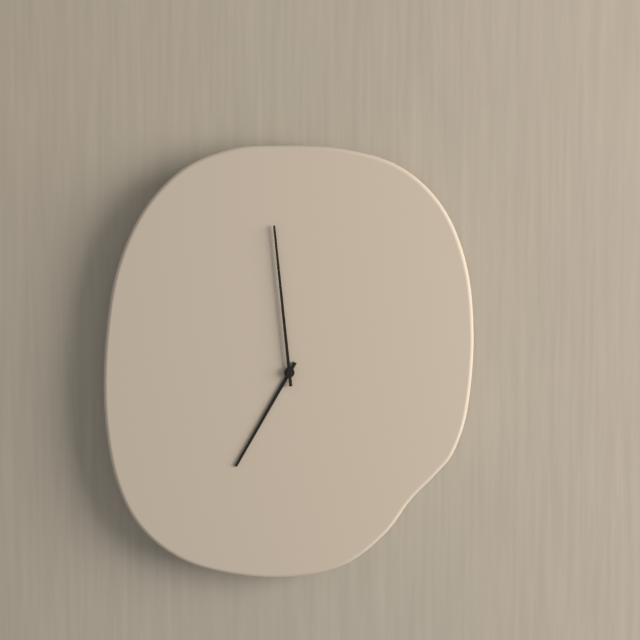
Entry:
6.59
